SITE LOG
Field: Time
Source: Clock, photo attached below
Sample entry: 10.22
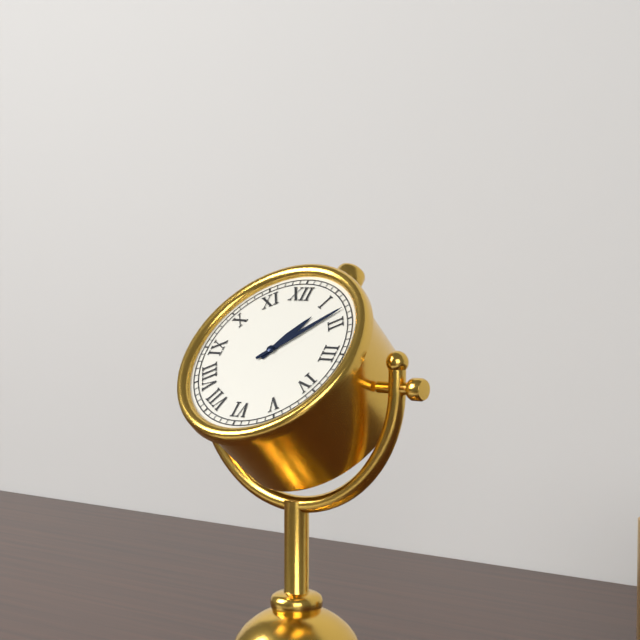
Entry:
1.08
